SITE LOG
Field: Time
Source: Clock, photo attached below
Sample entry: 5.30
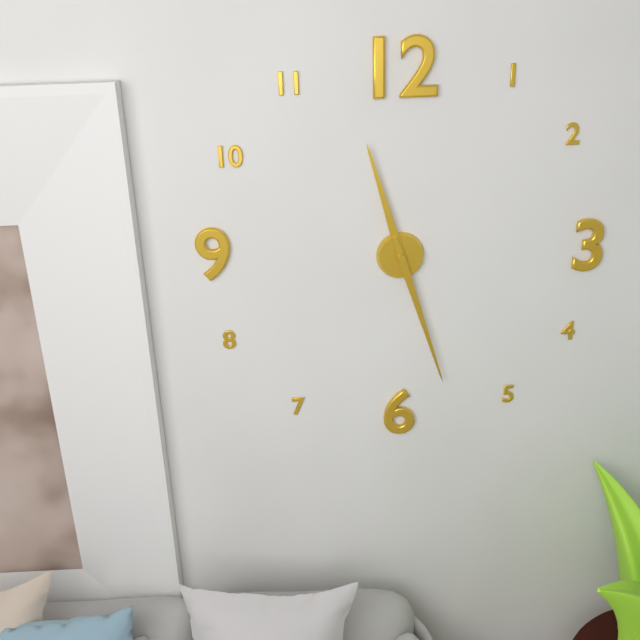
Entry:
11.27
